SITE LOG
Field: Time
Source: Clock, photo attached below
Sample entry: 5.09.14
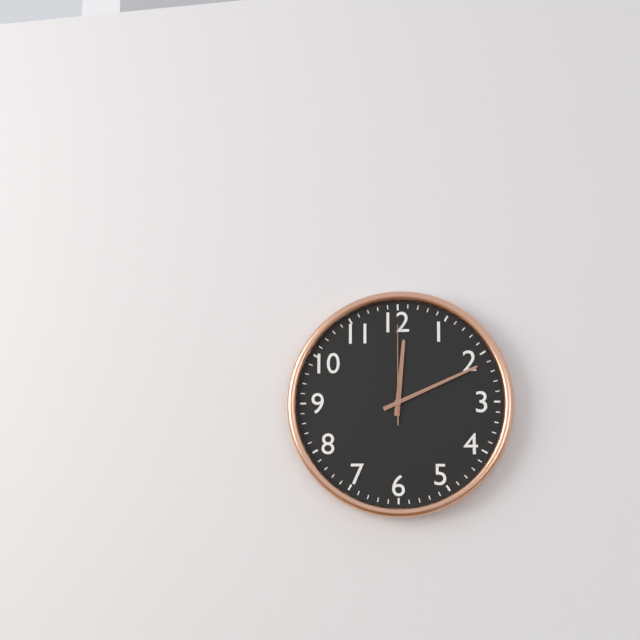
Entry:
12.11.00
